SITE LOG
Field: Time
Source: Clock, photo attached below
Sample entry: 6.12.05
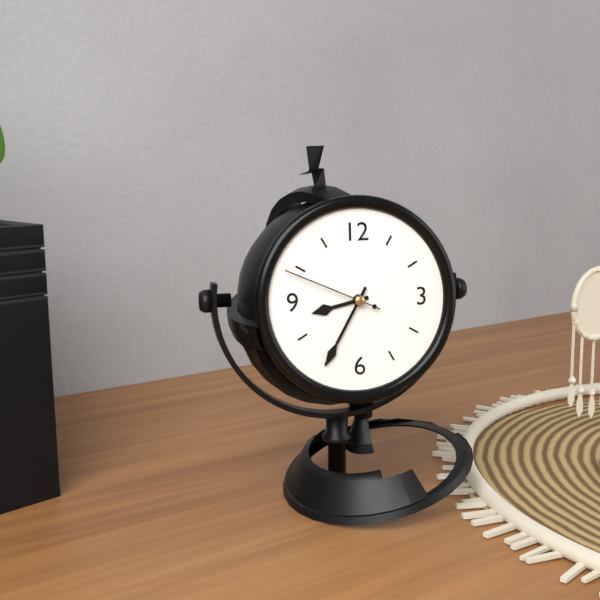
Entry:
8.35.49
